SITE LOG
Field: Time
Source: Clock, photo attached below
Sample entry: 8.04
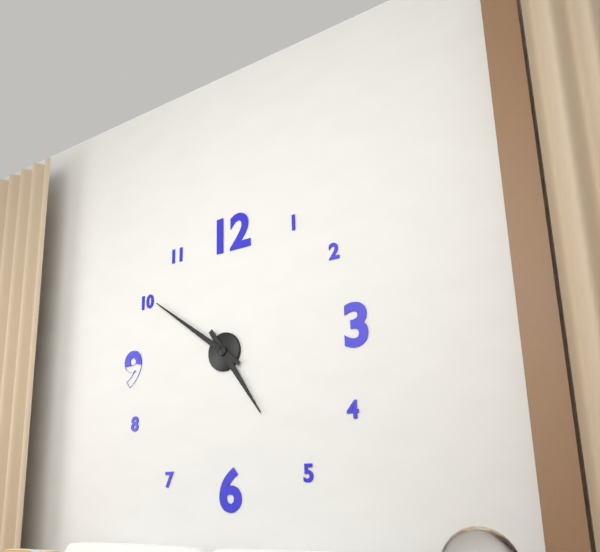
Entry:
4.51
